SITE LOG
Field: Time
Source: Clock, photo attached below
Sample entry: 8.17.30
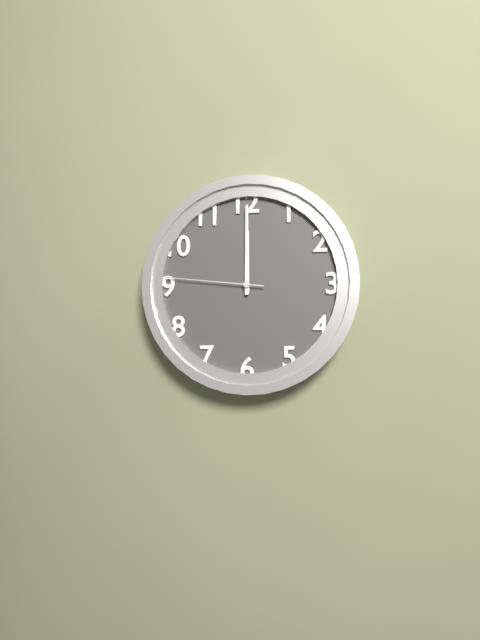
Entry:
12.00.46
